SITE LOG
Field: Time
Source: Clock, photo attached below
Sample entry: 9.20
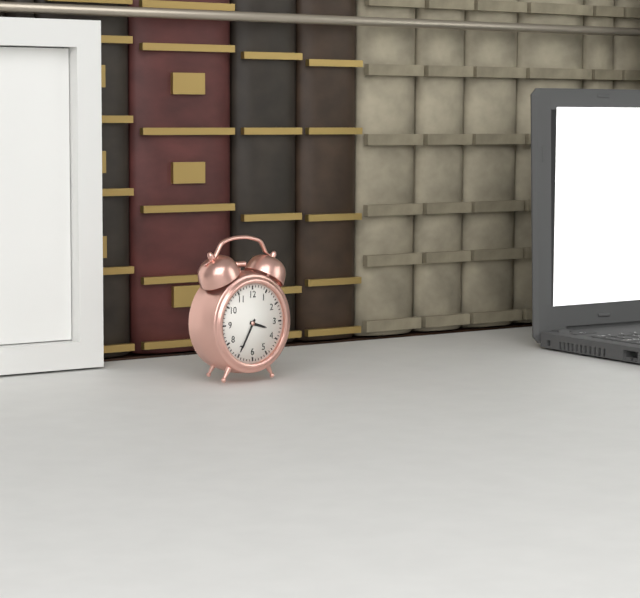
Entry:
3.35
